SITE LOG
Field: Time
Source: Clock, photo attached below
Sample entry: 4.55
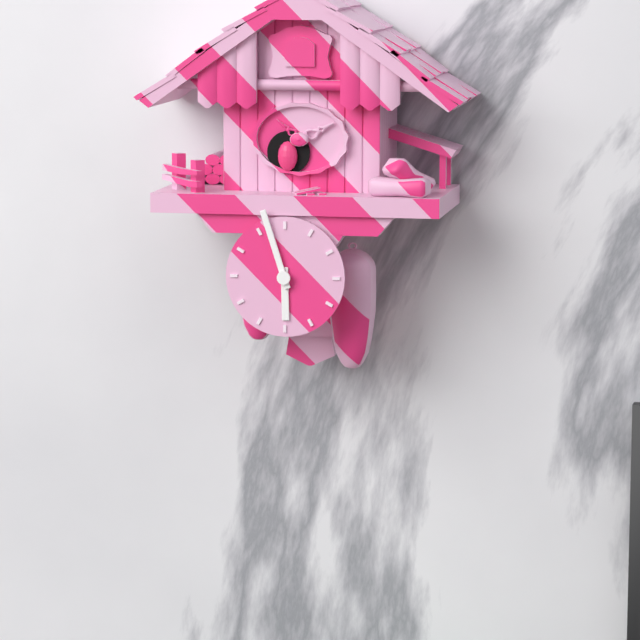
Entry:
5.57
